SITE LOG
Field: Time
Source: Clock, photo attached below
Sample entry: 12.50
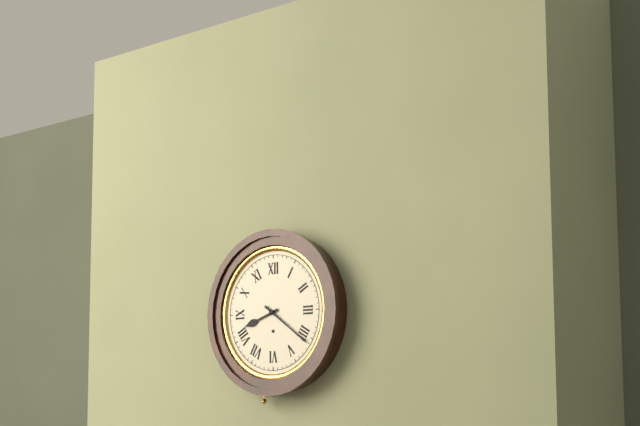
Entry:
8.21
